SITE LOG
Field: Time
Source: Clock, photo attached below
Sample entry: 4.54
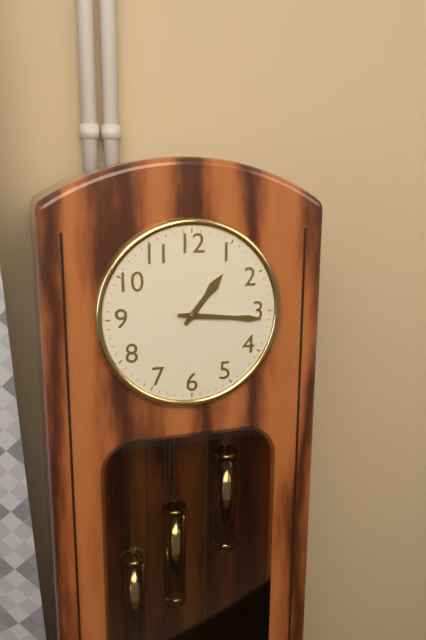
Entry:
1.16
